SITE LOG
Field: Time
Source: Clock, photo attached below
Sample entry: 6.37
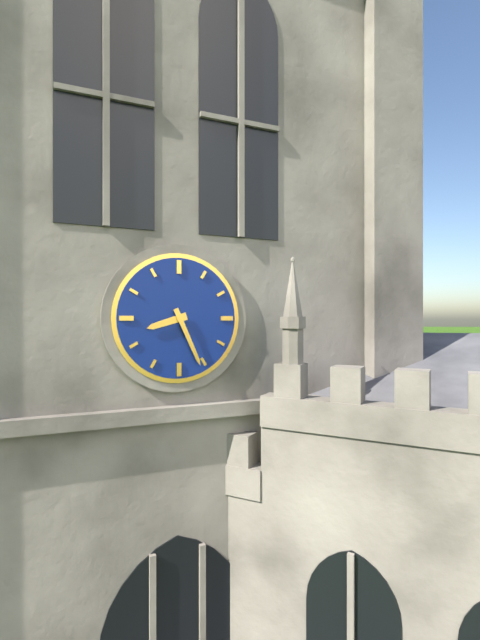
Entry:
8.26
